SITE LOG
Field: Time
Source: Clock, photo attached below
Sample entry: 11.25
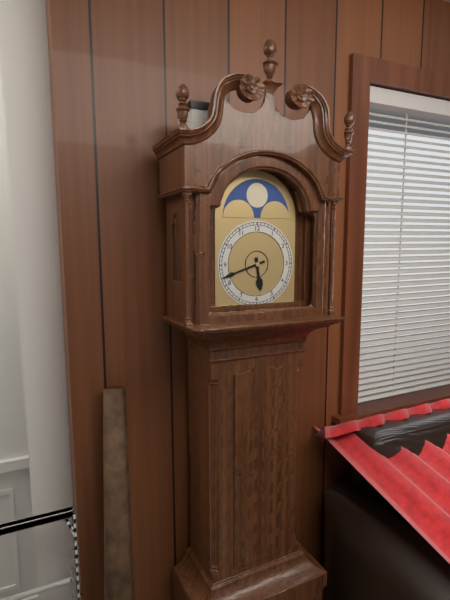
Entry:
5.42
